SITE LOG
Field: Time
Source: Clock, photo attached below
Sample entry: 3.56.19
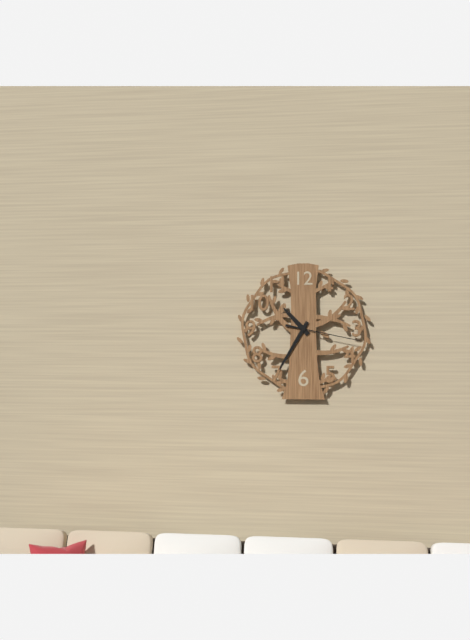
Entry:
10.35.17
